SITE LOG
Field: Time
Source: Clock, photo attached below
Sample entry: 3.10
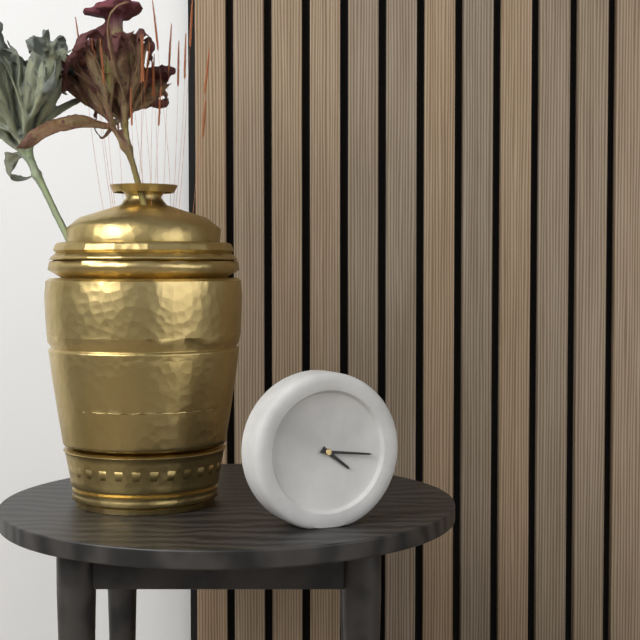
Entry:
4.16
